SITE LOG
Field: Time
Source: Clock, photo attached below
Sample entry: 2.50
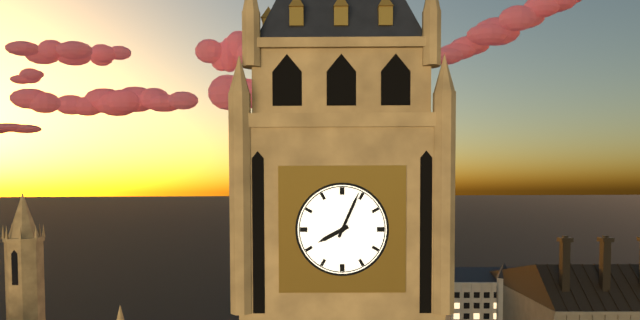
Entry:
8.04
